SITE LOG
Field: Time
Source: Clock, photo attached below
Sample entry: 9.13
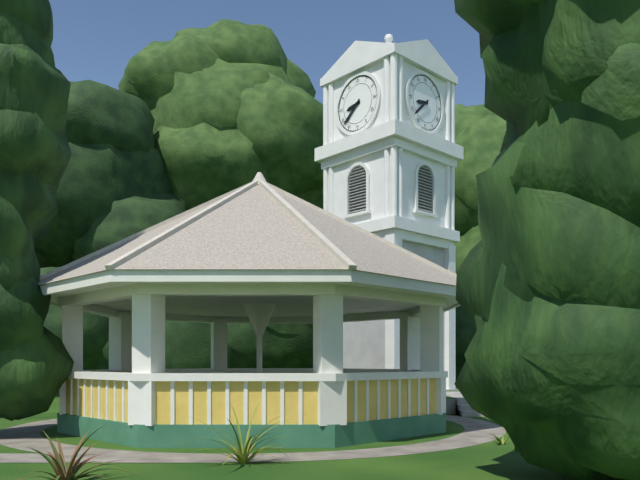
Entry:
8.38
